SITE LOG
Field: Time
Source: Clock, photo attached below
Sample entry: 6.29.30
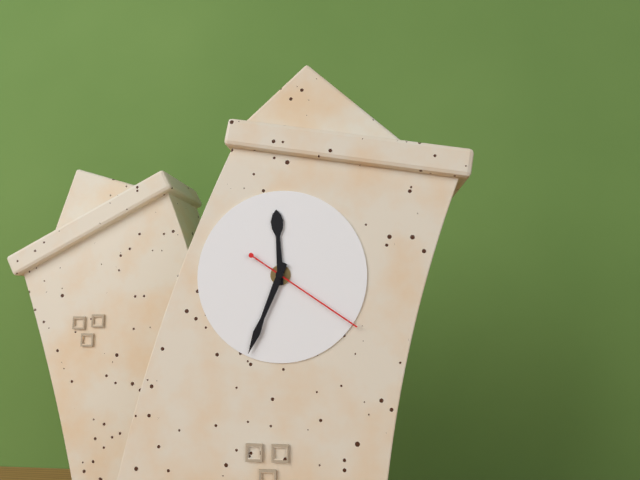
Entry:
11.32.19
